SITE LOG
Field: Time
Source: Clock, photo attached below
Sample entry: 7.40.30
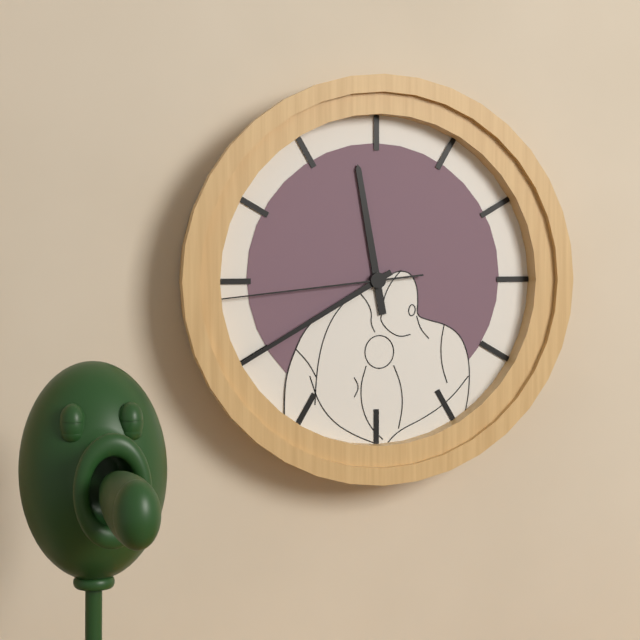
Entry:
11.40.44
